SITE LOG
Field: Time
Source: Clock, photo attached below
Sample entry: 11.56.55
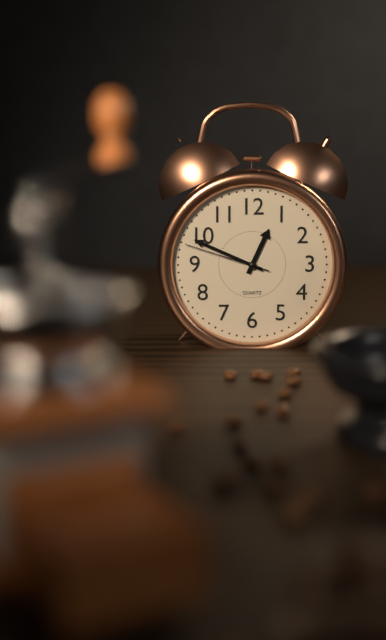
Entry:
12.49.48
